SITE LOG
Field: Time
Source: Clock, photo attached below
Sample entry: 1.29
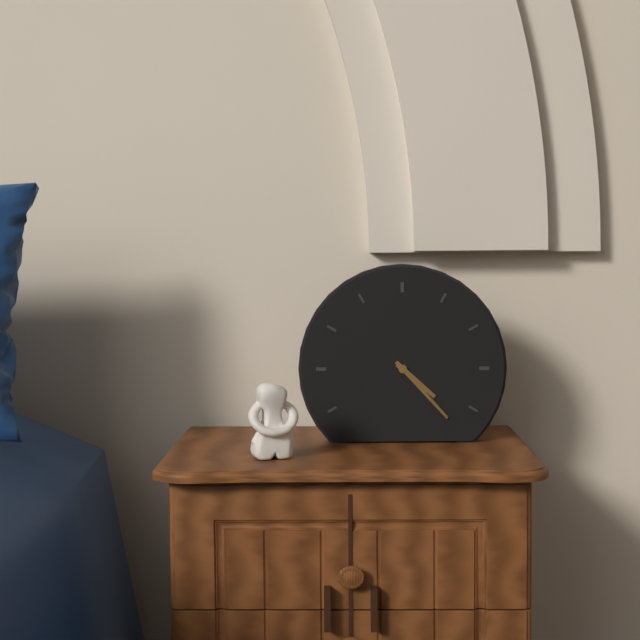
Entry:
4.23
